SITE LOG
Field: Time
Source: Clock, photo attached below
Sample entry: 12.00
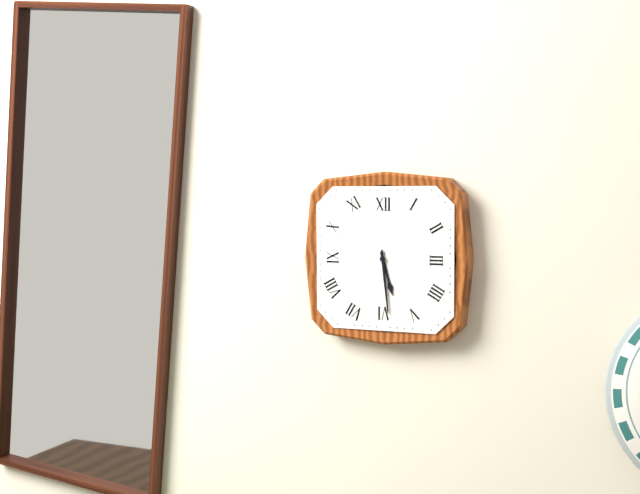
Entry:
5.29
